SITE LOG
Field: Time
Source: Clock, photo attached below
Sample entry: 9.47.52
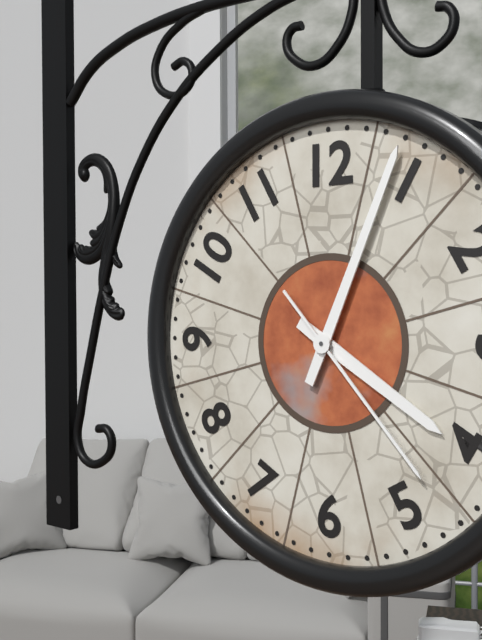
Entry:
4.04.23
